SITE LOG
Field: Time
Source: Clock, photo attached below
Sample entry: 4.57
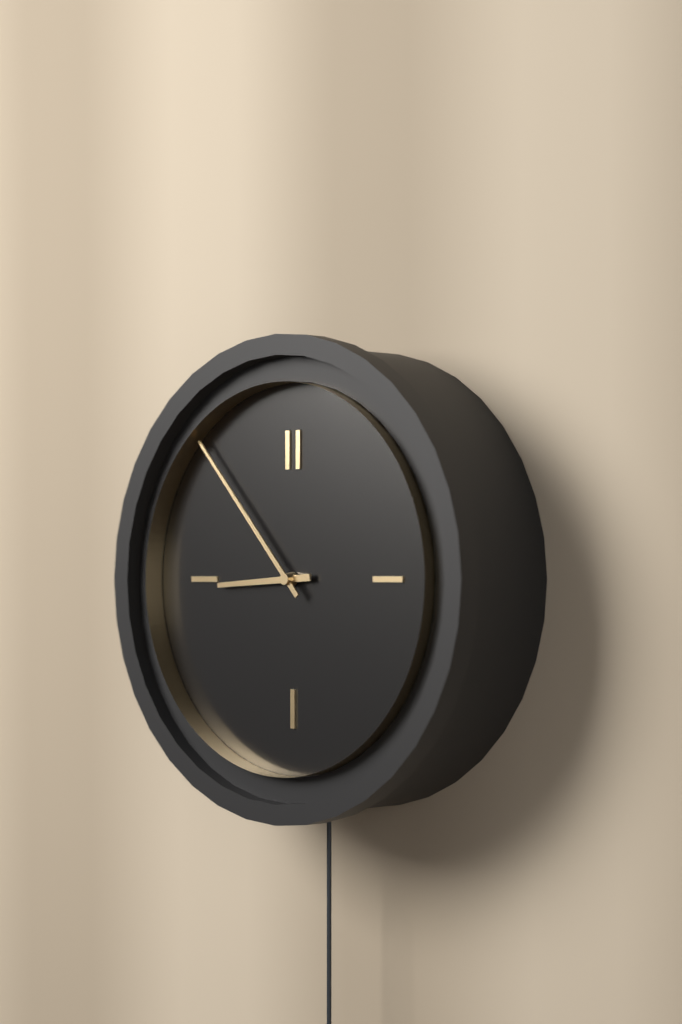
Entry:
8.53
